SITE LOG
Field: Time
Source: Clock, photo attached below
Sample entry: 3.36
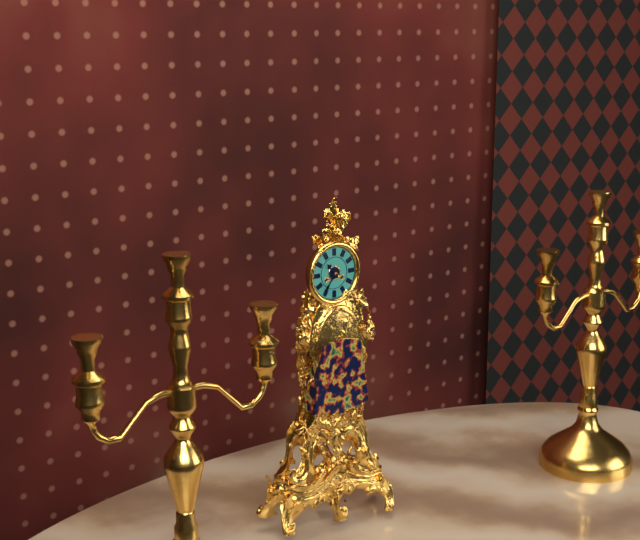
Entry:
10.36
